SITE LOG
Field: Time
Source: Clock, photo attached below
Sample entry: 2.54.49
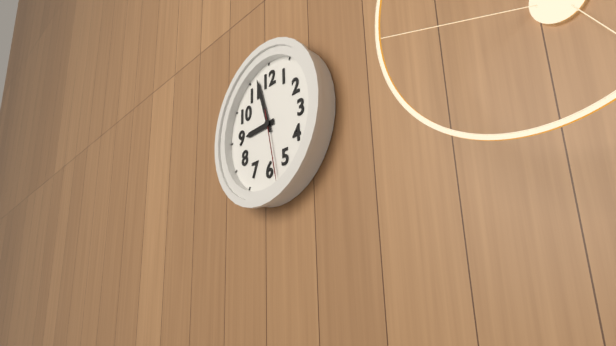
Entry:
8.57.28
